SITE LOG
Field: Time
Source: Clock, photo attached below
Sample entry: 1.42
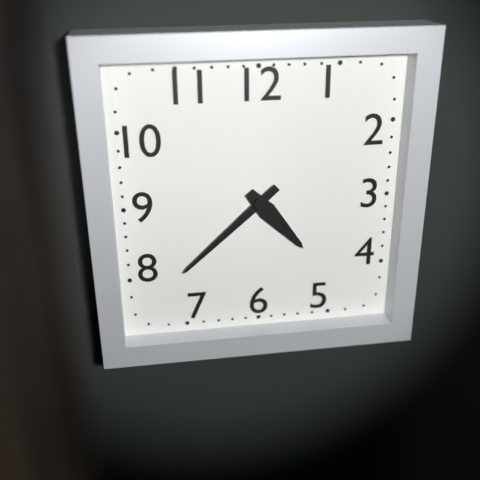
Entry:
4.38
